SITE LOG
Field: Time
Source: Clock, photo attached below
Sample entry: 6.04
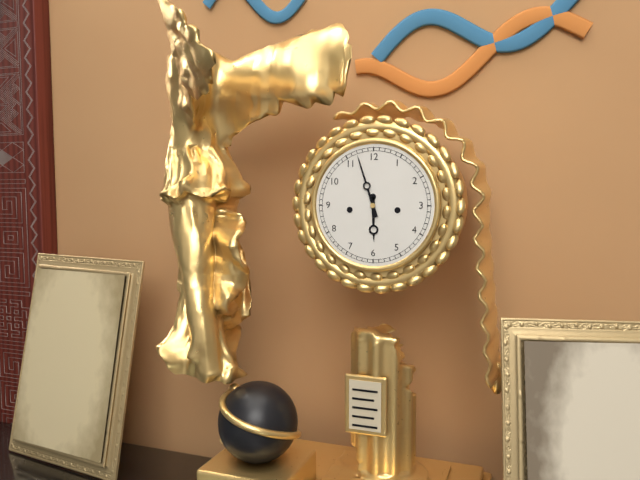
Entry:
5.57
